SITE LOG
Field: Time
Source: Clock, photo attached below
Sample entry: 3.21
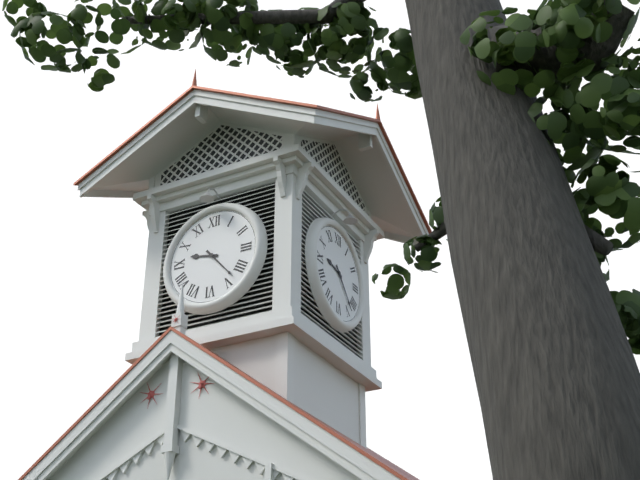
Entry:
9.23
